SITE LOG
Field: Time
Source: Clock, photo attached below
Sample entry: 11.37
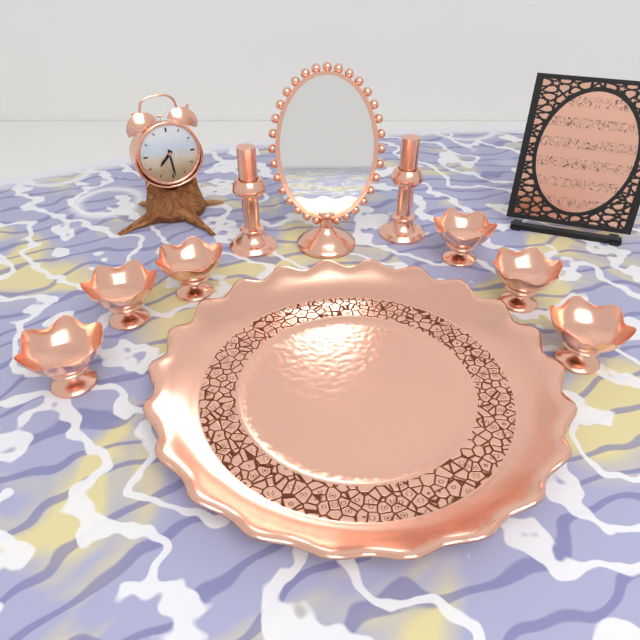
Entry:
7.29
